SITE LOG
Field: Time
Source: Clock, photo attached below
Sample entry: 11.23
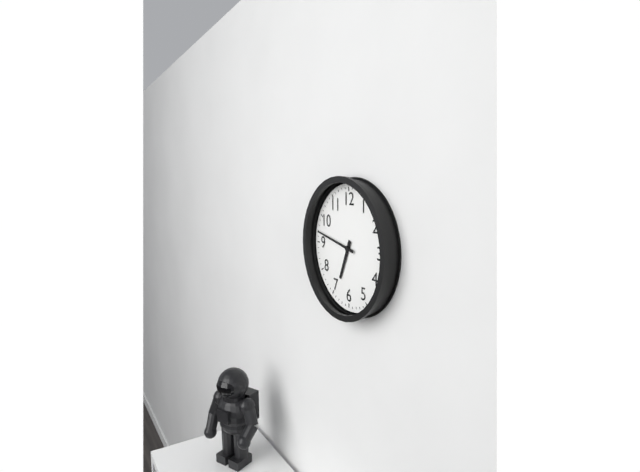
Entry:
6.47
